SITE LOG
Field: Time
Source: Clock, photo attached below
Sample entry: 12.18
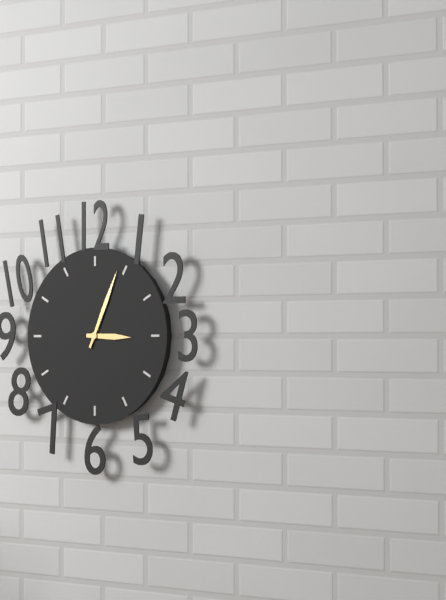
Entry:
3.04
